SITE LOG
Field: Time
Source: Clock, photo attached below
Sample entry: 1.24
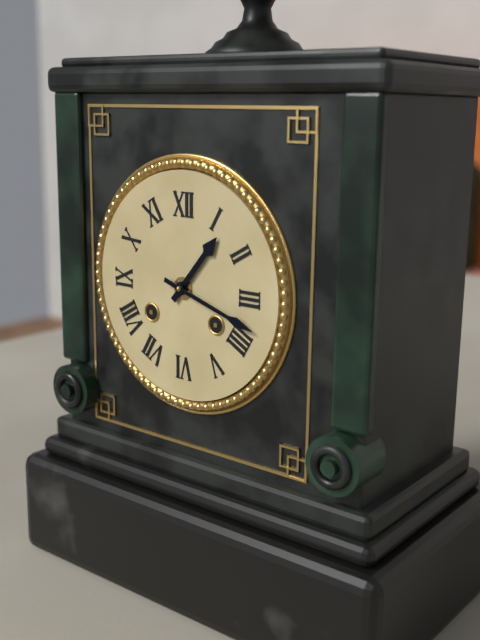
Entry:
1.18
